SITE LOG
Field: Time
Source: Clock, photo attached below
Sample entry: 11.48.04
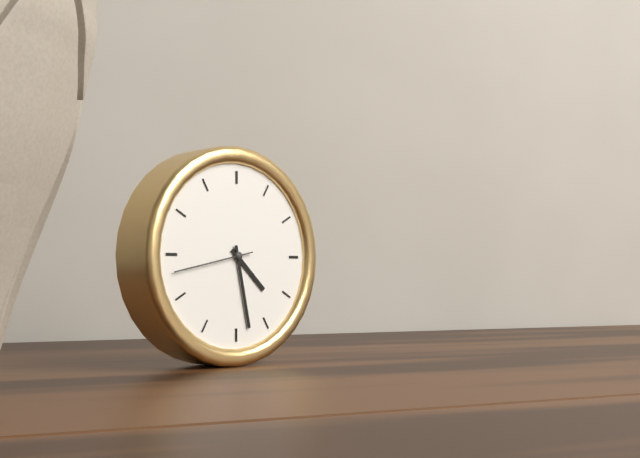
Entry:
4.28.43
